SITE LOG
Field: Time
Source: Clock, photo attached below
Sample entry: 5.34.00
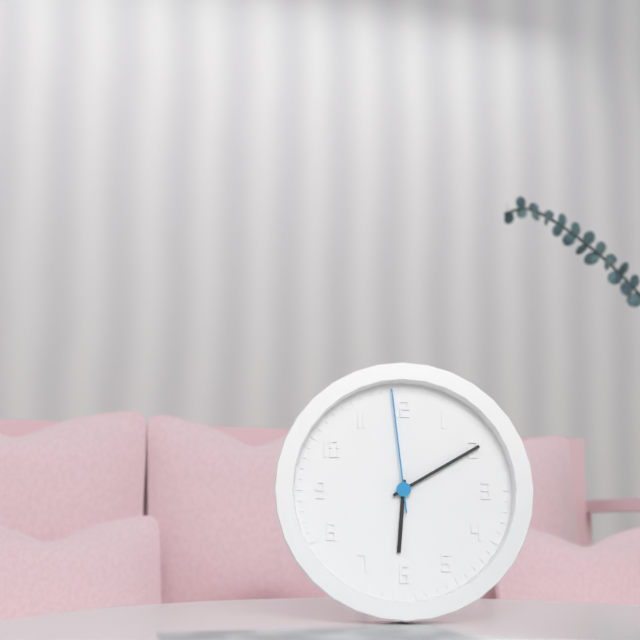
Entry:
6.10.59
